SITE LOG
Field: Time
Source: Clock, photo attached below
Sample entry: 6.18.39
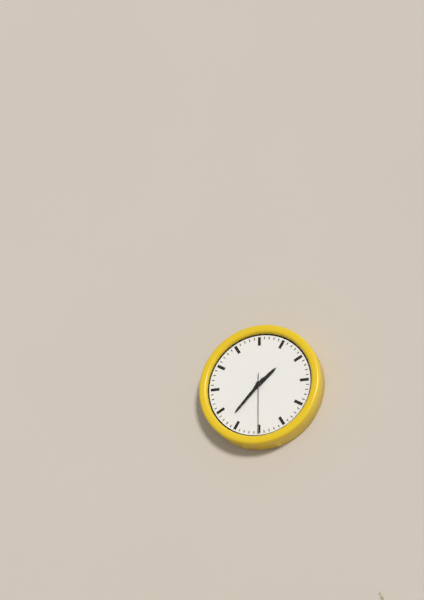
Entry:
1.37.30
